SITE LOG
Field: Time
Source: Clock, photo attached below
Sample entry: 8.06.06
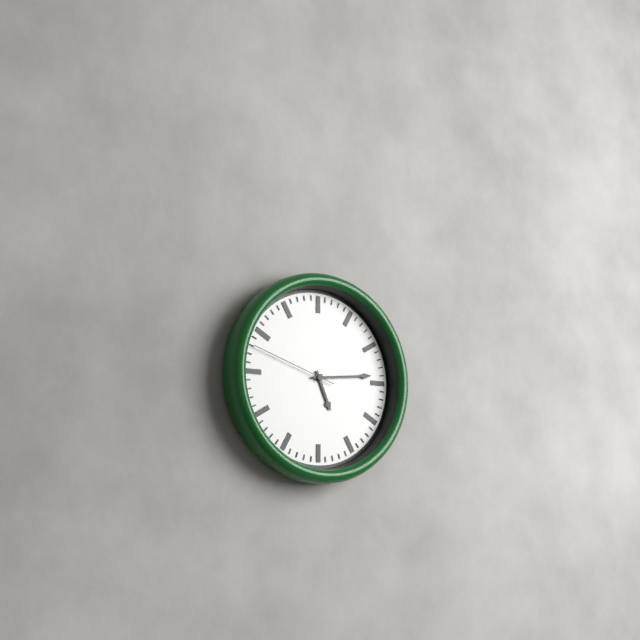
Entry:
5.14.48
